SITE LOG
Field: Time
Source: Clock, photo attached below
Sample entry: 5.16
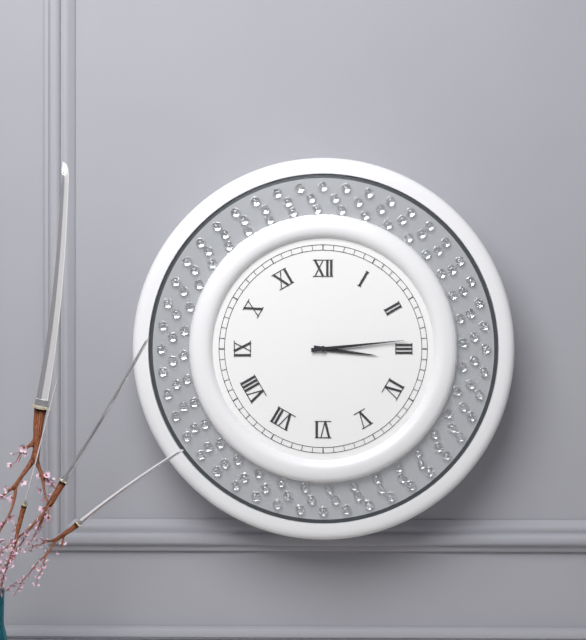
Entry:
3.14
